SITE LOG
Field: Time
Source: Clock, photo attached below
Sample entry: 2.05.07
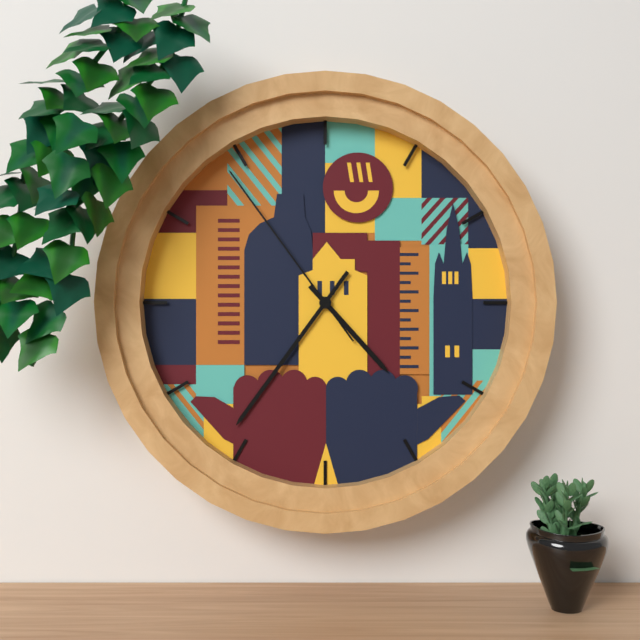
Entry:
4.36.54
